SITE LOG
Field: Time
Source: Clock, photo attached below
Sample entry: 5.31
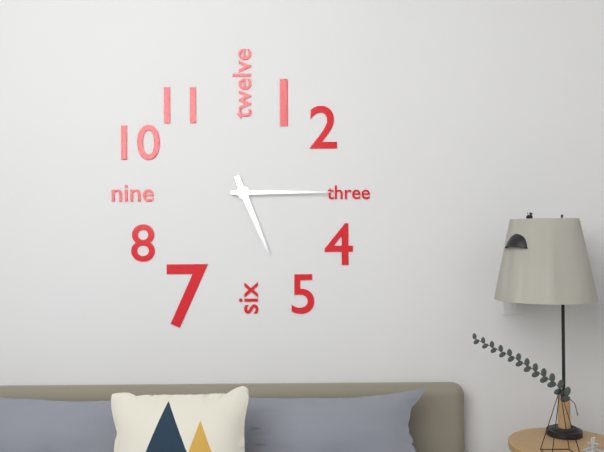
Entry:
5.15
